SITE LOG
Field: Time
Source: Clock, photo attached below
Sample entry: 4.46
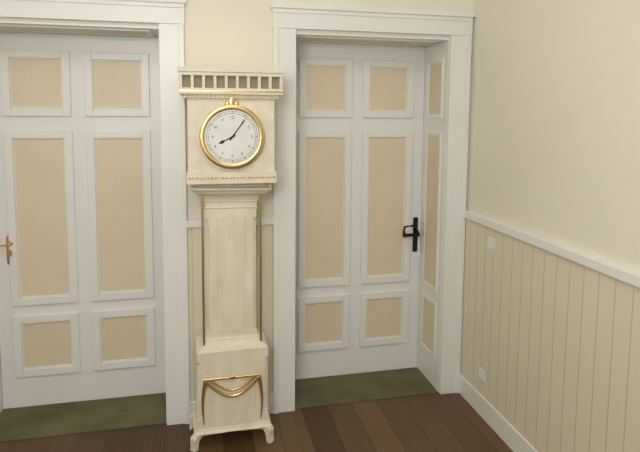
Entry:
8.06
